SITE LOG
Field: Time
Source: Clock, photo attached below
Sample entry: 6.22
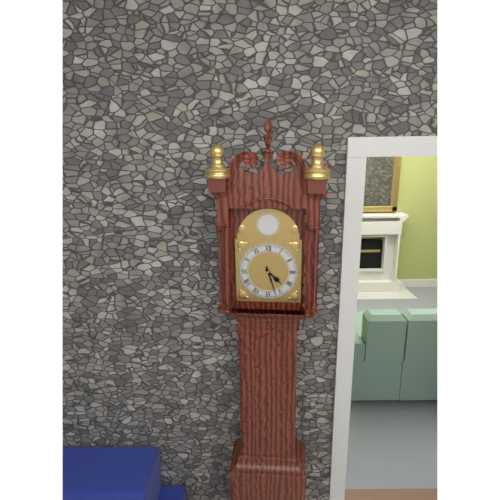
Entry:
4.27
